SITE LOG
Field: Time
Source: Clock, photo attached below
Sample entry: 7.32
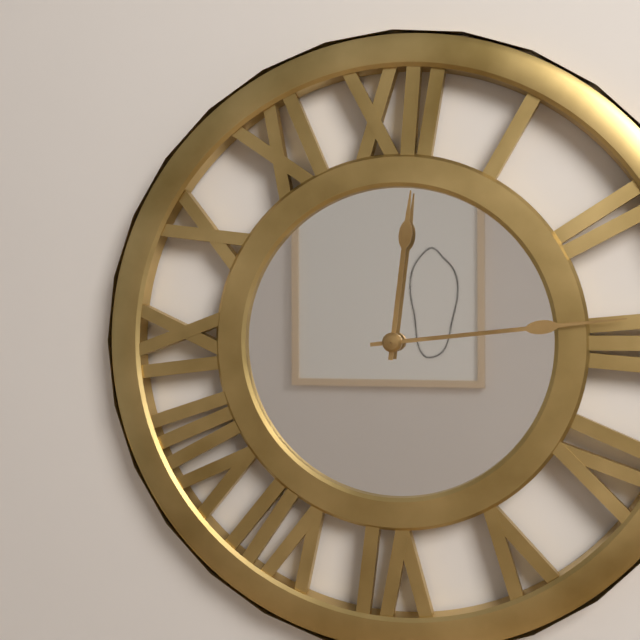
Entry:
12.14
